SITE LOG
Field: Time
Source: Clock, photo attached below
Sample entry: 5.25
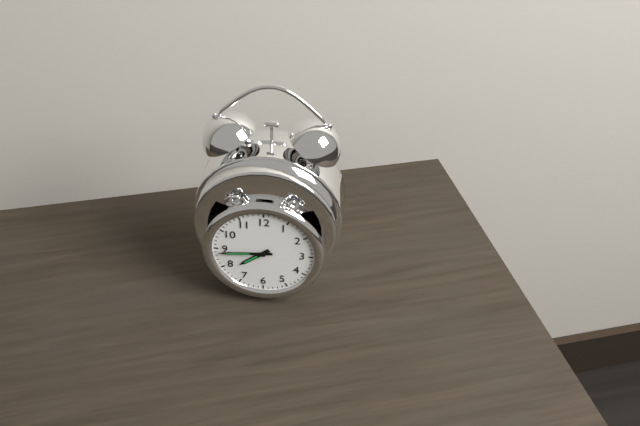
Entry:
7.44
